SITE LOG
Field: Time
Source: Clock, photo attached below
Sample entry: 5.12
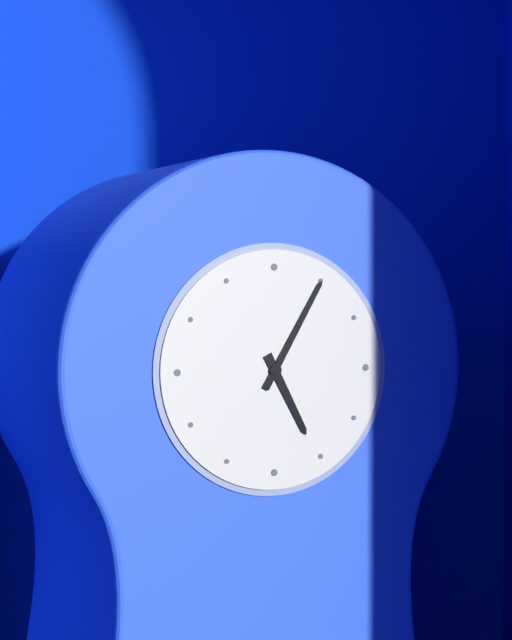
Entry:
5.05
